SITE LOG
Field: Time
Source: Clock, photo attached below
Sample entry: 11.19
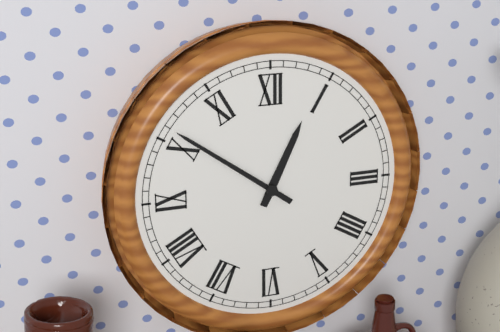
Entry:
12.51
